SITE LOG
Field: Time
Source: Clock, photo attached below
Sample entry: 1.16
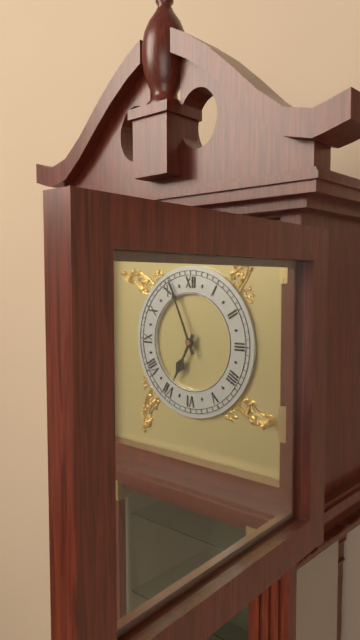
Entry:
6.56
